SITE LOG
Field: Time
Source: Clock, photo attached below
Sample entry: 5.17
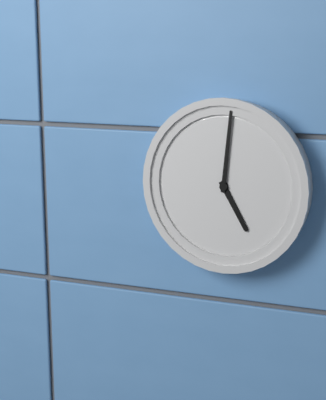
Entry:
5.01
